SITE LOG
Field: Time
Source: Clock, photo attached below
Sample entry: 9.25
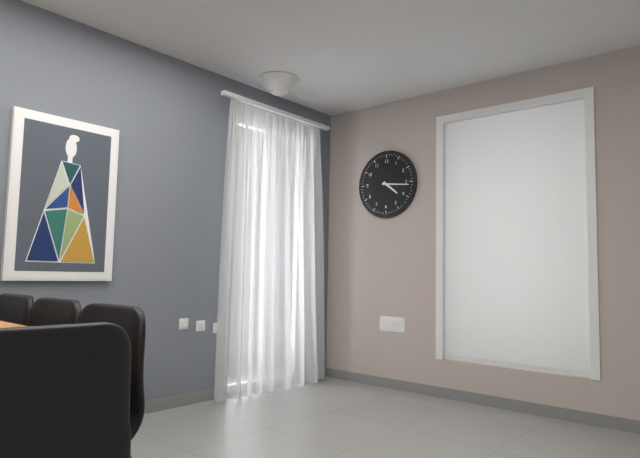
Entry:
4.16
